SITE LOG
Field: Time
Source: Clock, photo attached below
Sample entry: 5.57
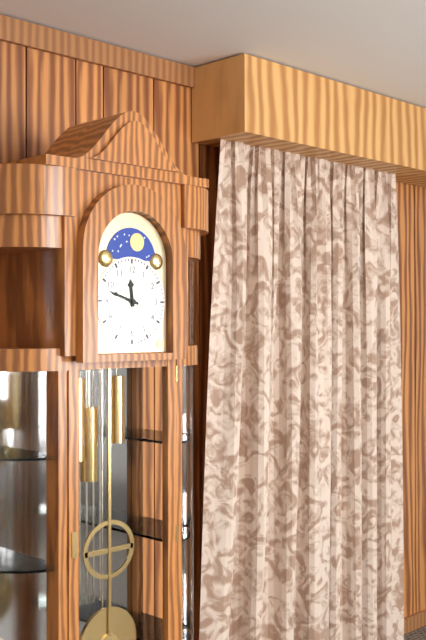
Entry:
11.48
